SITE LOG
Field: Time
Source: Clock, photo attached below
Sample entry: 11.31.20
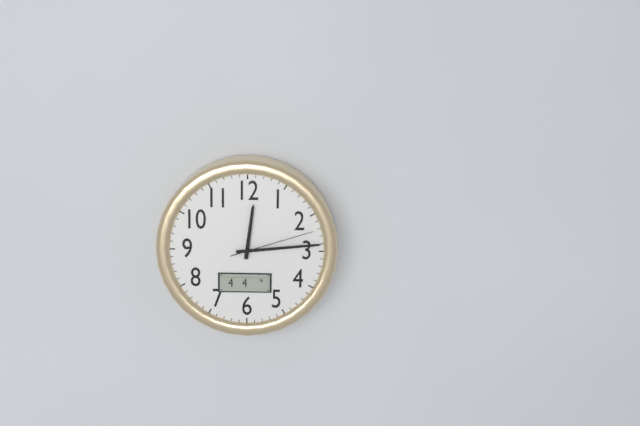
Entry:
12.14.12
